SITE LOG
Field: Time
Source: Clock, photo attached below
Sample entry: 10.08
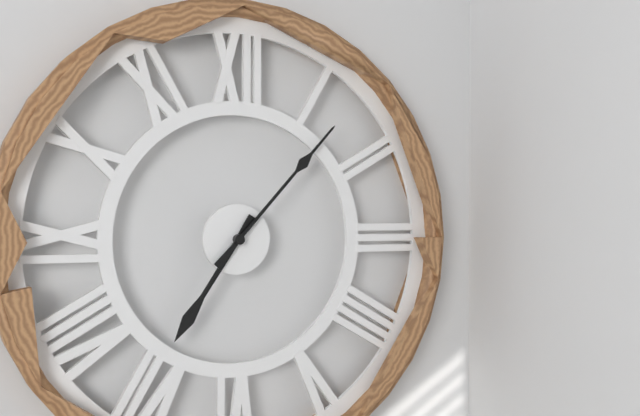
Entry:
7.07
